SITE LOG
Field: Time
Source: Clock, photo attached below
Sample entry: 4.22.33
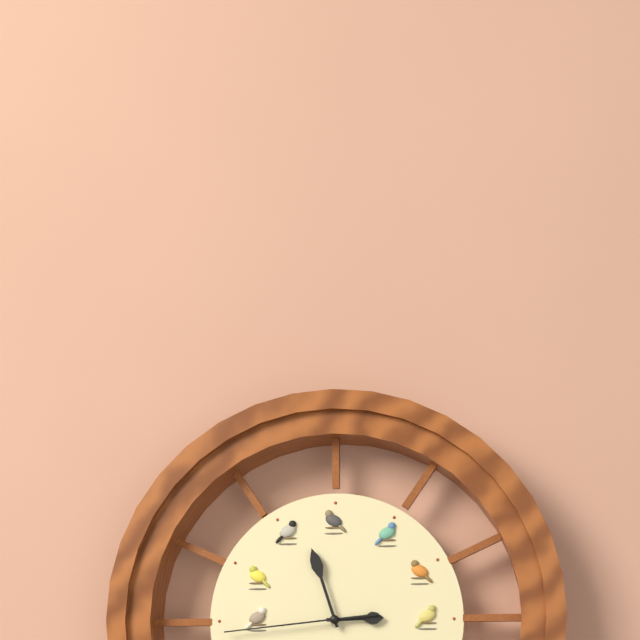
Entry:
2.57.44
